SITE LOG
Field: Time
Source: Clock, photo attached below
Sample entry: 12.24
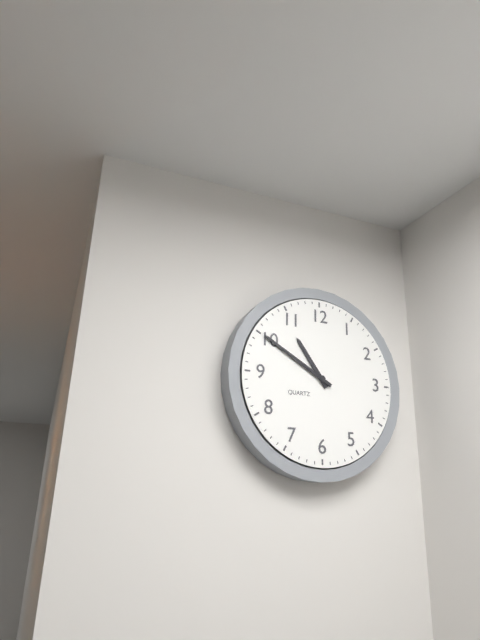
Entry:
10.50
